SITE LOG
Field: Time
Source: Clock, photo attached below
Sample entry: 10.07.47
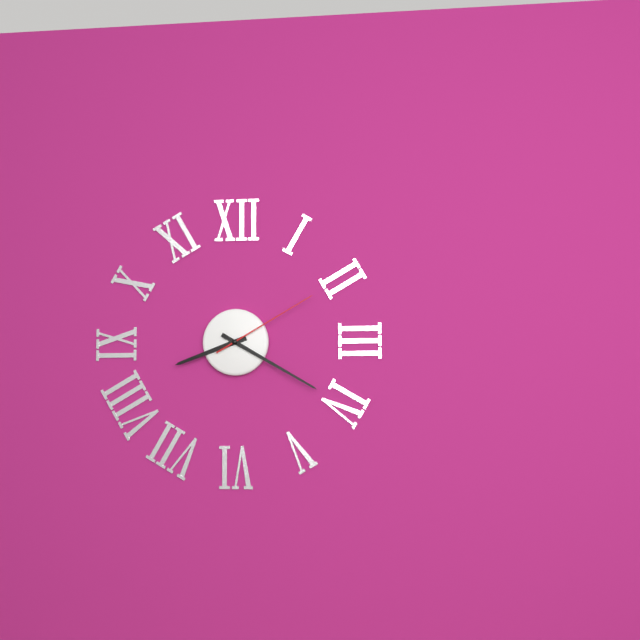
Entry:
8.20.10
